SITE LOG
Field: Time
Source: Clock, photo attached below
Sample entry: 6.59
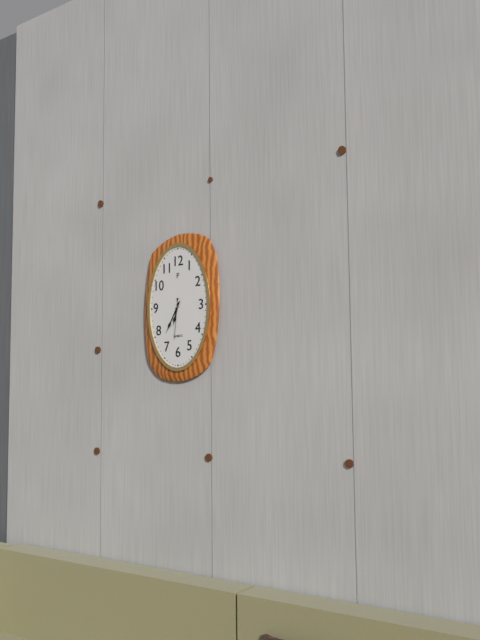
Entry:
6.35
